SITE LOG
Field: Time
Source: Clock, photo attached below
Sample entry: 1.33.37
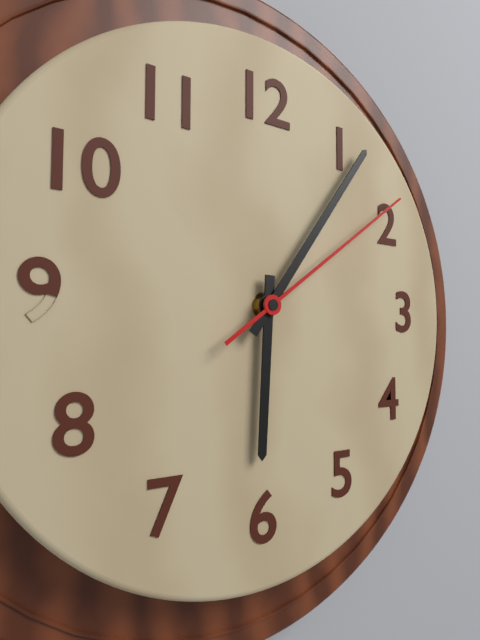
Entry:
6.06.09
